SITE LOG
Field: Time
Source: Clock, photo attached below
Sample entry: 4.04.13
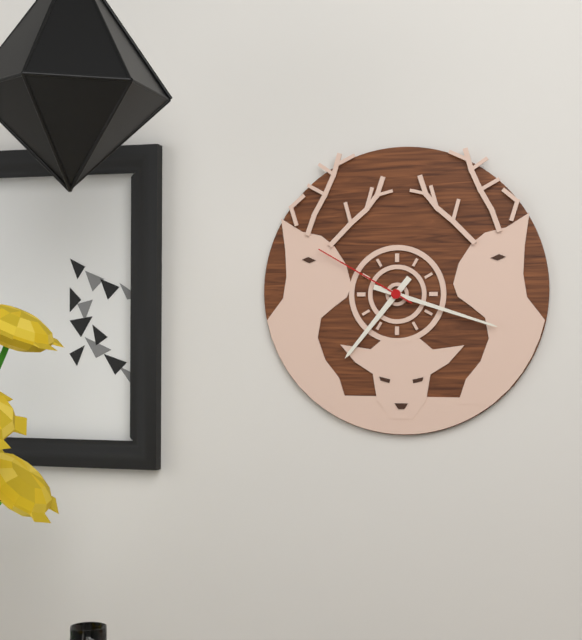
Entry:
7.18.50
